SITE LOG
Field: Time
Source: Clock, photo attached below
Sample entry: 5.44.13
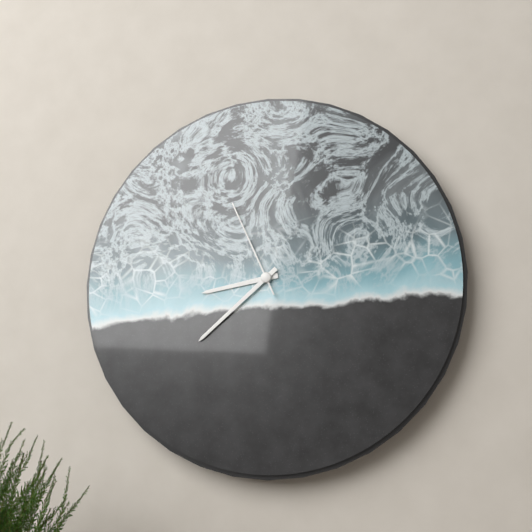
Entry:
8.38.56
